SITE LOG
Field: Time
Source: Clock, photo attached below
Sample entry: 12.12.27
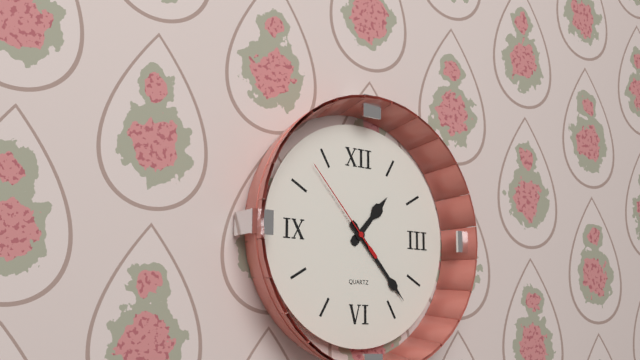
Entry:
1.23.53
